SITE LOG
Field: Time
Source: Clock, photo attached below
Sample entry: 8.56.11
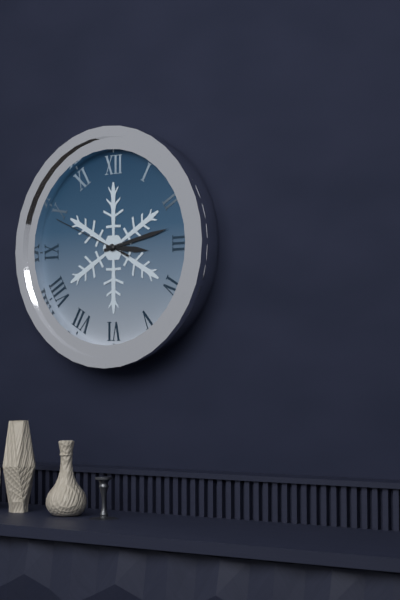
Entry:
3.13.49
